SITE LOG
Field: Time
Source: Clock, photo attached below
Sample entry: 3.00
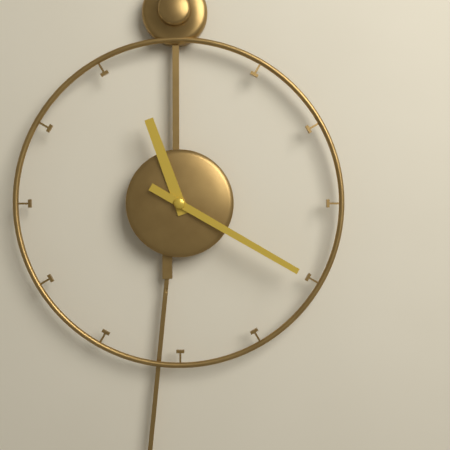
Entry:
11.20
